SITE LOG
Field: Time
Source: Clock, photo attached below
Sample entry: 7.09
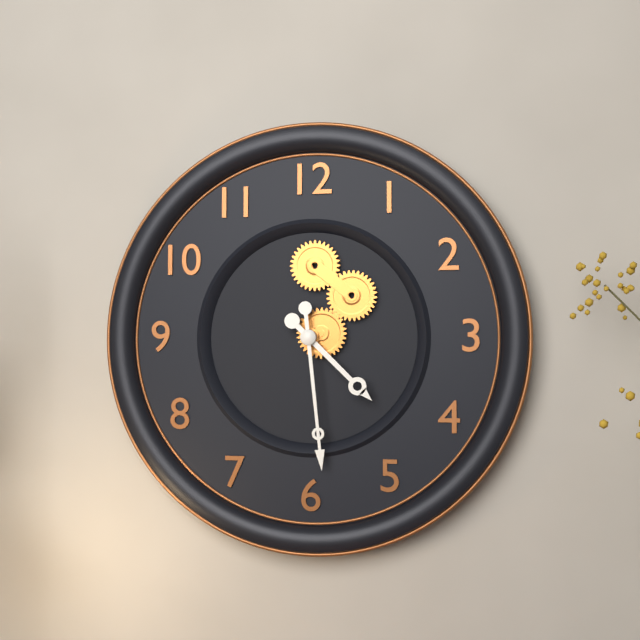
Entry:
4.29
